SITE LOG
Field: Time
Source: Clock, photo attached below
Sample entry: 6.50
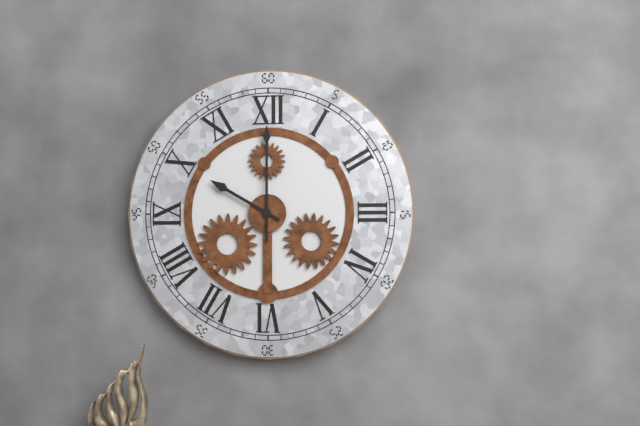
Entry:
10.00
